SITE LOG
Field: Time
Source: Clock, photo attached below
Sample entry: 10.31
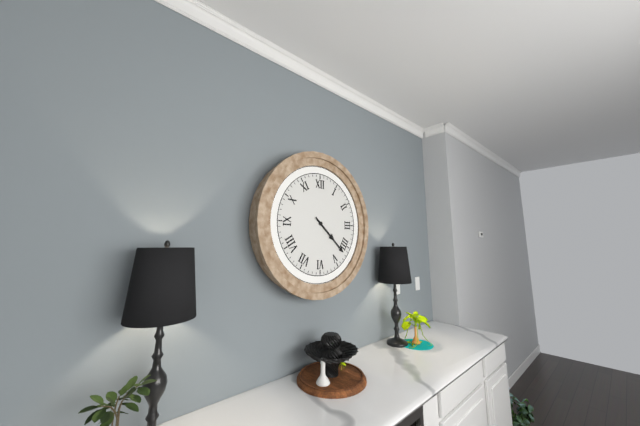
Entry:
4.22
